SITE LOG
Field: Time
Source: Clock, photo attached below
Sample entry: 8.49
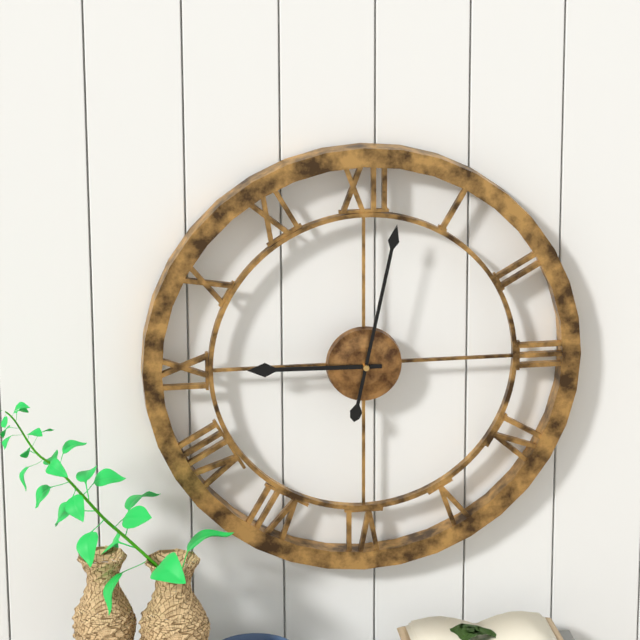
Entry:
9.02
